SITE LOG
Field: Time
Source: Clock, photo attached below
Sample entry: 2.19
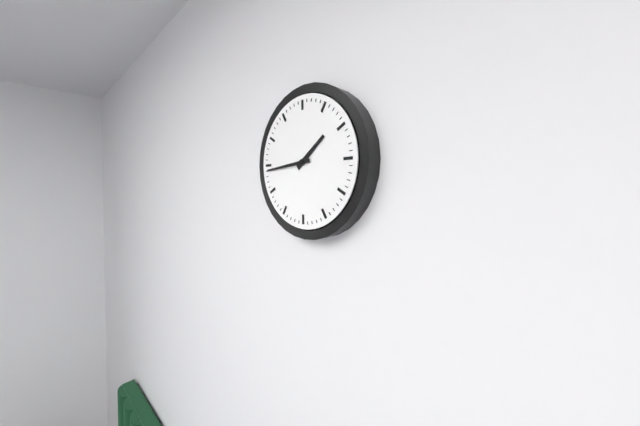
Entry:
1.44
